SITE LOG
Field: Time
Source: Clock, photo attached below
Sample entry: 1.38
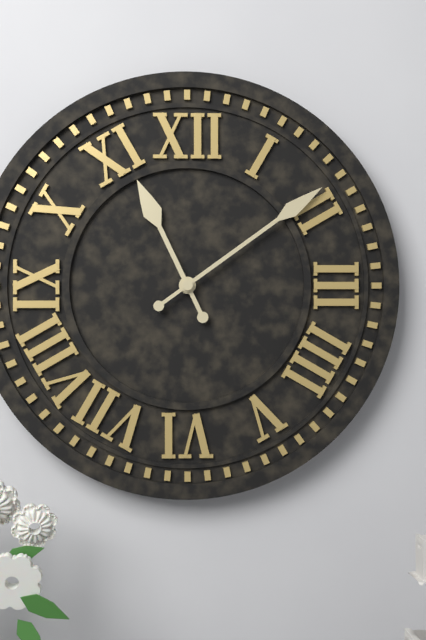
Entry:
11.09
